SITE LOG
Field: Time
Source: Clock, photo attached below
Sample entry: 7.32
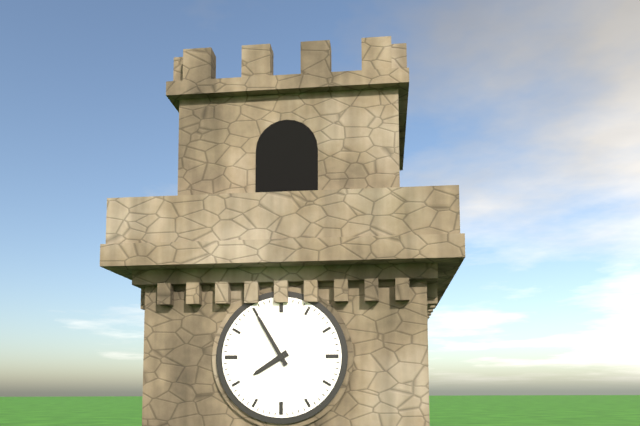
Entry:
7.55
